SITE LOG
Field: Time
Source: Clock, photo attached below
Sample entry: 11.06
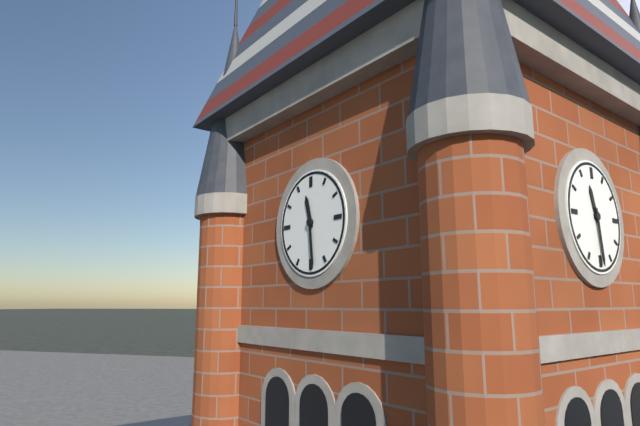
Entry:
11.29
